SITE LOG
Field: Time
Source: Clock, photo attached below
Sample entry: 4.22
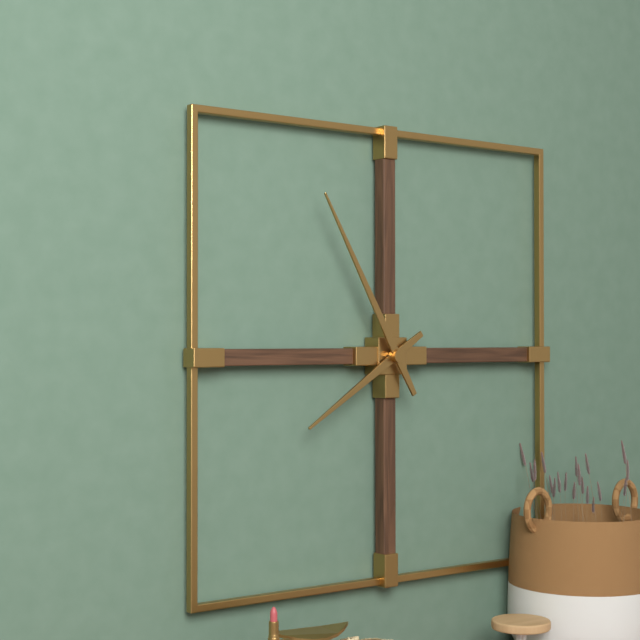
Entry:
7.55
